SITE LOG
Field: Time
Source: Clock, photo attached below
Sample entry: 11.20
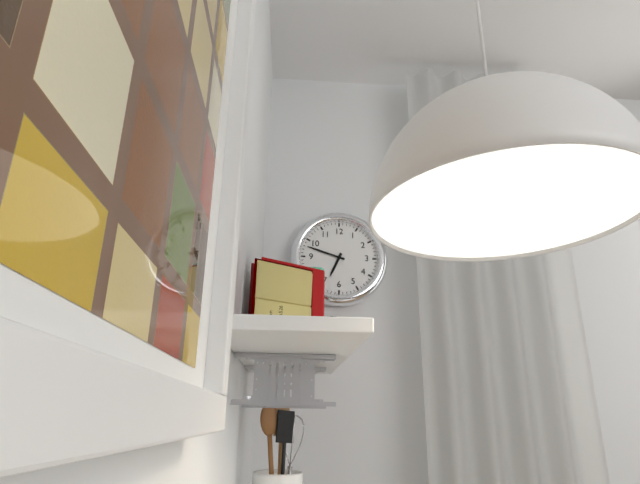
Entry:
6.48
